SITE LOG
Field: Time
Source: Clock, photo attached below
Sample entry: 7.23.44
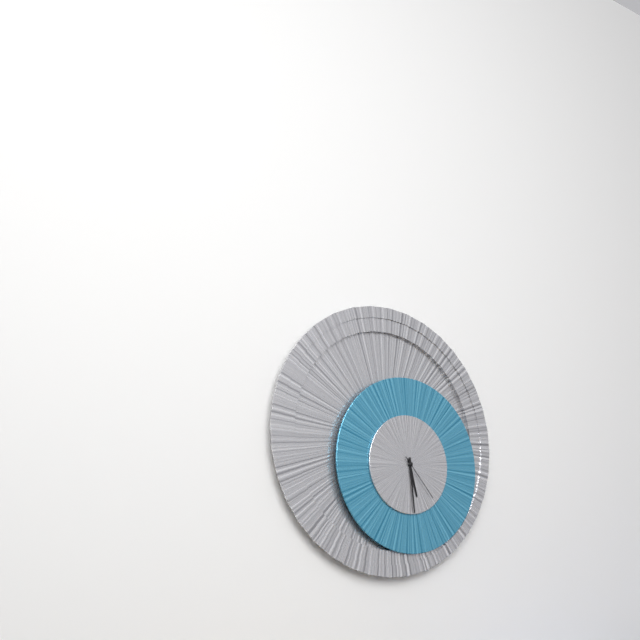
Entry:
5.29.23
